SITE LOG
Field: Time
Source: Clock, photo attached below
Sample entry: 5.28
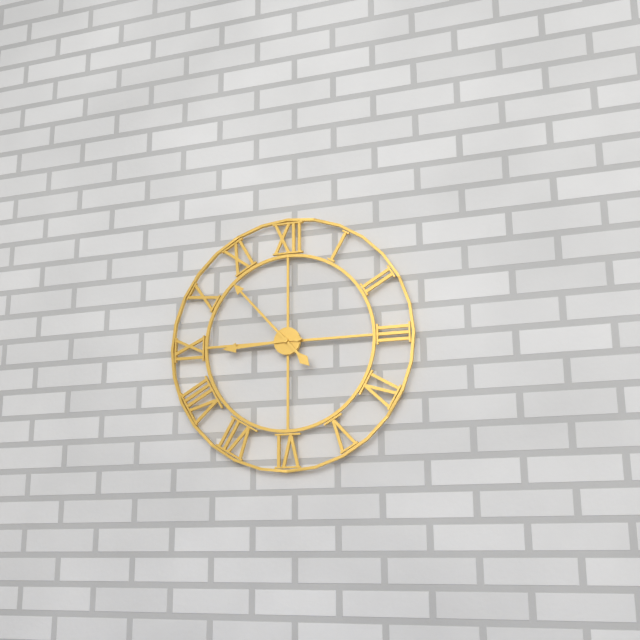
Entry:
8.53
